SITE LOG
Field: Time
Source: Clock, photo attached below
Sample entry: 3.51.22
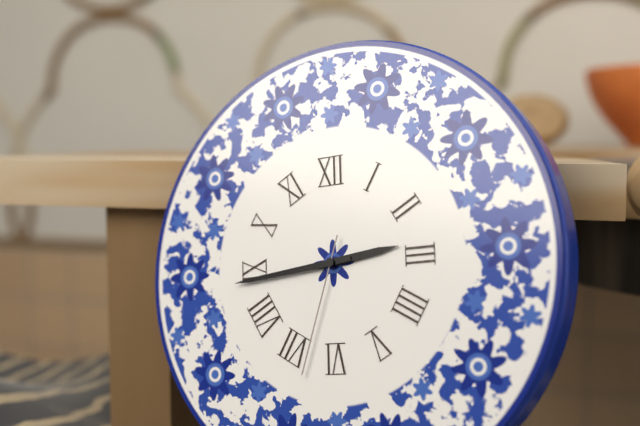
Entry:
2.44.33
